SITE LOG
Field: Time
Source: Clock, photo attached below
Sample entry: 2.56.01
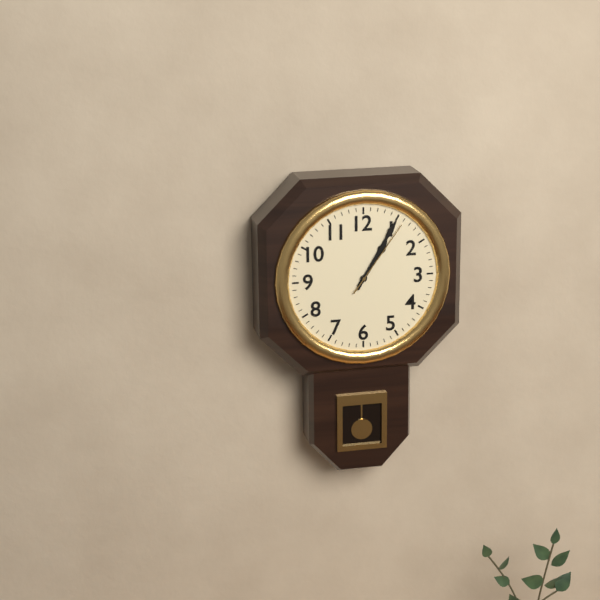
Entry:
1.05.06
